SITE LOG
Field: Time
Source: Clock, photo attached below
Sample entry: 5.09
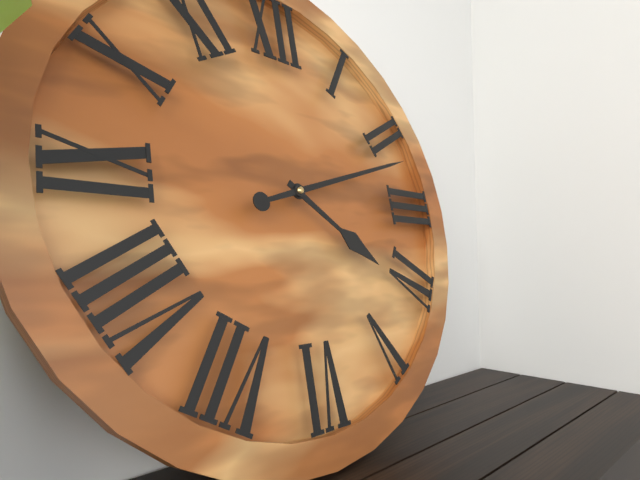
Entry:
4.12
